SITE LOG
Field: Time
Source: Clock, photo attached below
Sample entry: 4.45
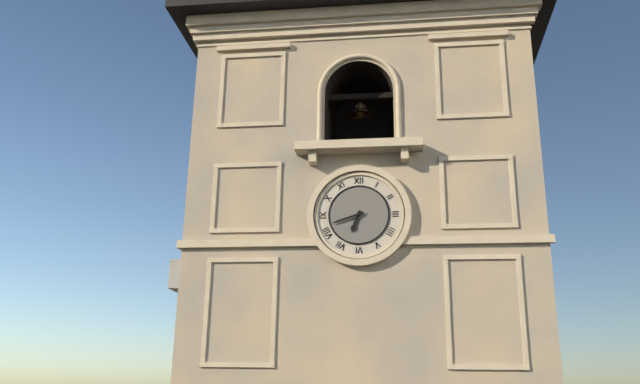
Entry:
6.42
